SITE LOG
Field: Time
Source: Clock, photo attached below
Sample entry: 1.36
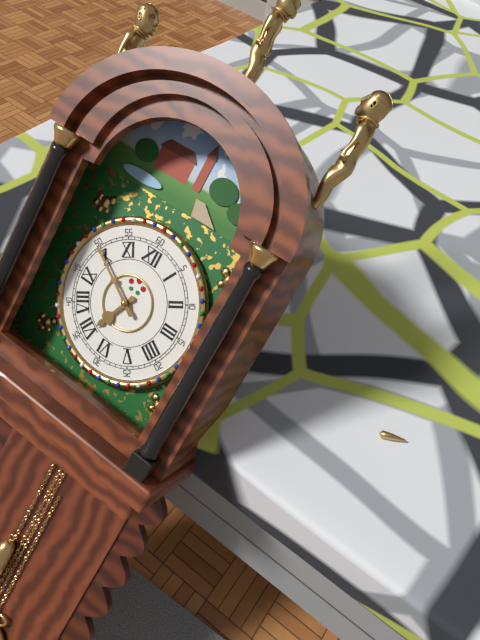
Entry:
6.50
